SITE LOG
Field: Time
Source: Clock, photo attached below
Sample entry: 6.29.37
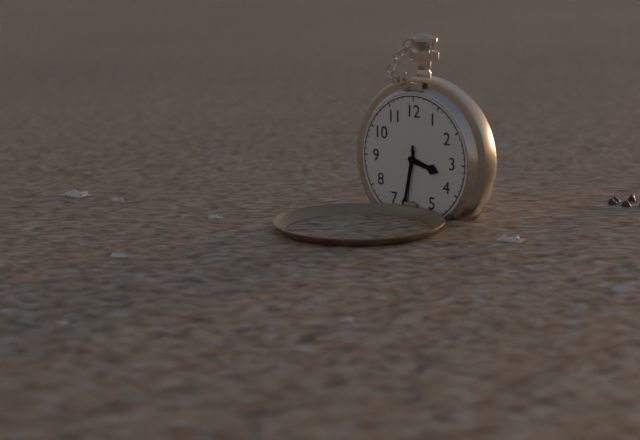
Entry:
3.32.31
